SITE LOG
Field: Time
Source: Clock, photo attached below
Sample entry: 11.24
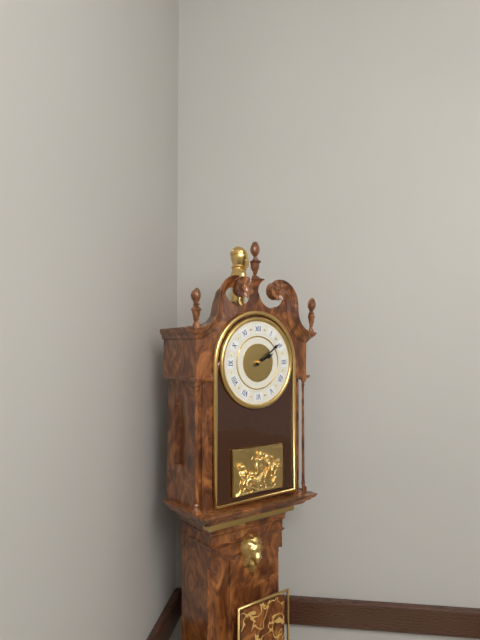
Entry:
2.09
